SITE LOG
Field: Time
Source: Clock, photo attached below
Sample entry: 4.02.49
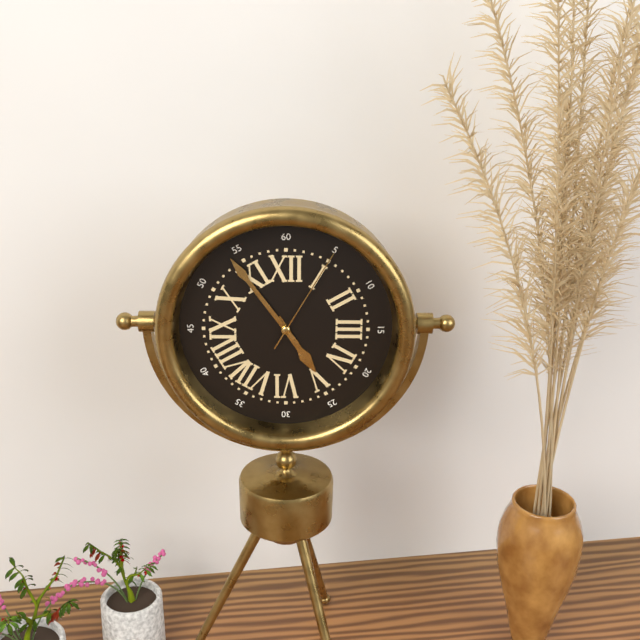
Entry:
4.54.05
